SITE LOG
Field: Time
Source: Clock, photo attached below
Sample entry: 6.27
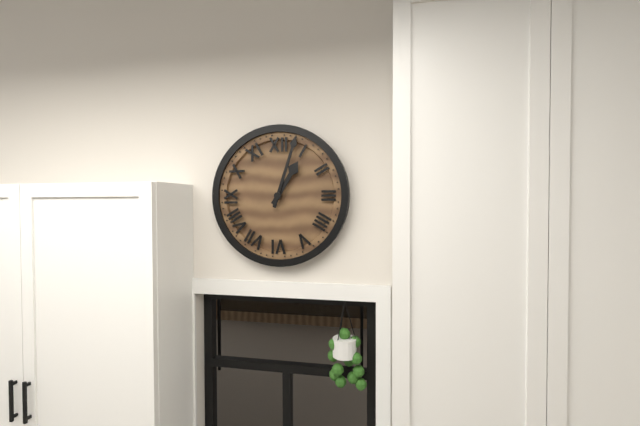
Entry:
1.03
